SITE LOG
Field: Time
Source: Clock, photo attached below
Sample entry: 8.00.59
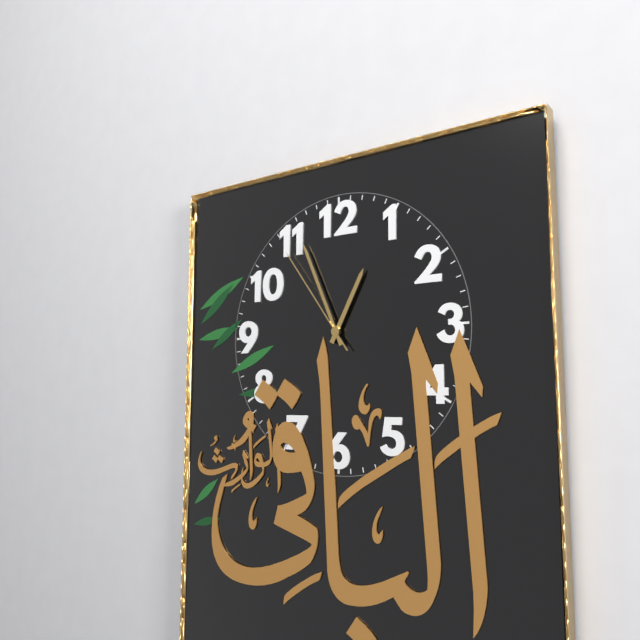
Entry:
12.56.54
